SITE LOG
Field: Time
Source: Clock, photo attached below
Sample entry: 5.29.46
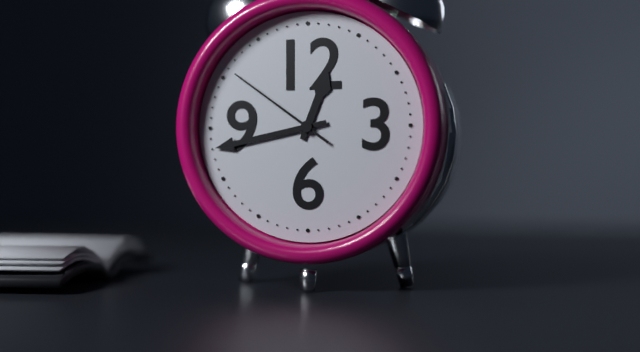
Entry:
12.43.51
